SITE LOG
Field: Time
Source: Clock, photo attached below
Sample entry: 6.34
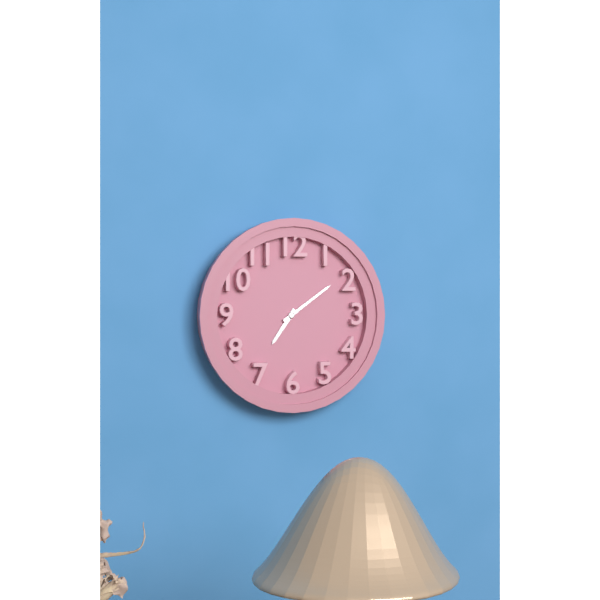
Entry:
7.09
